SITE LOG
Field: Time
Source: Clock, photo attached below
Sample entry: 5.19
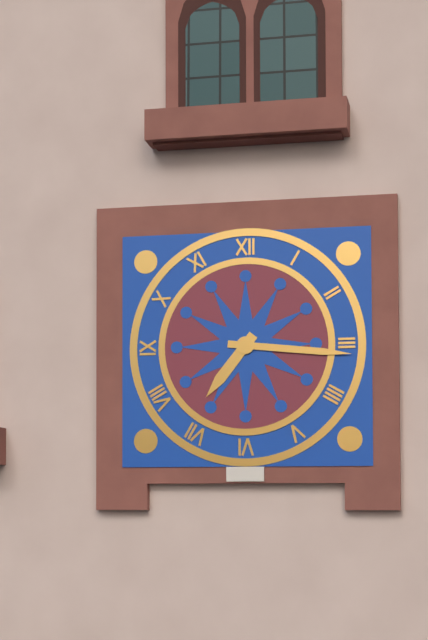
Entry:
7.16
